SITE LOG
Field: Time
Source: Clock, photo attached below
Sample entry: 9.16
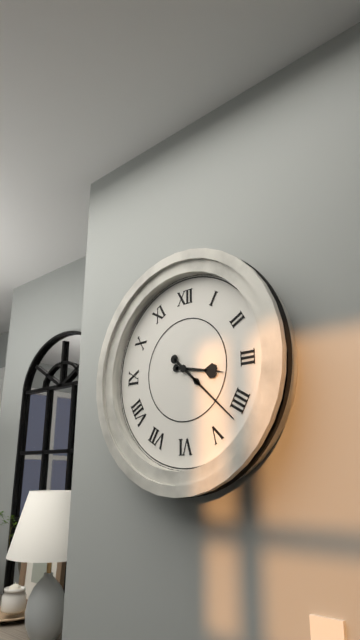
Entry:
3.22
